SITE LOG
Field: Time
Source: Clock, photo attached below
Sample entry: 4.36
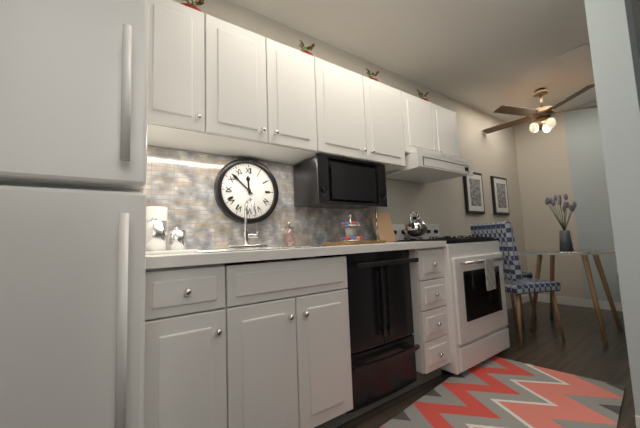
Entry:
11.52
